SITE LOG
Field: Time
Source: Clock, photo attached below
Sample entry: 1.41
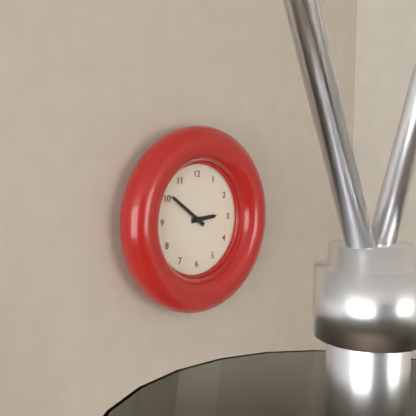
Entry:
2.51
